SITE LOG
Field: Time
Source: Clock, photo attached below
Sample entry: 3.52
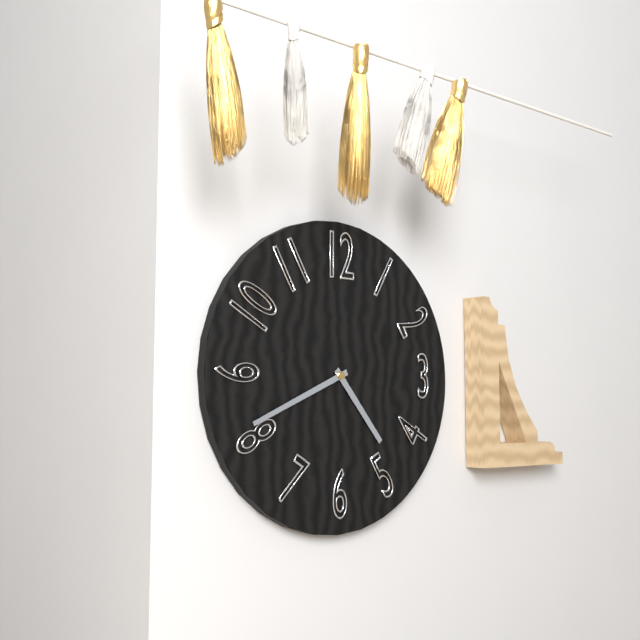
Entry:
4.41
